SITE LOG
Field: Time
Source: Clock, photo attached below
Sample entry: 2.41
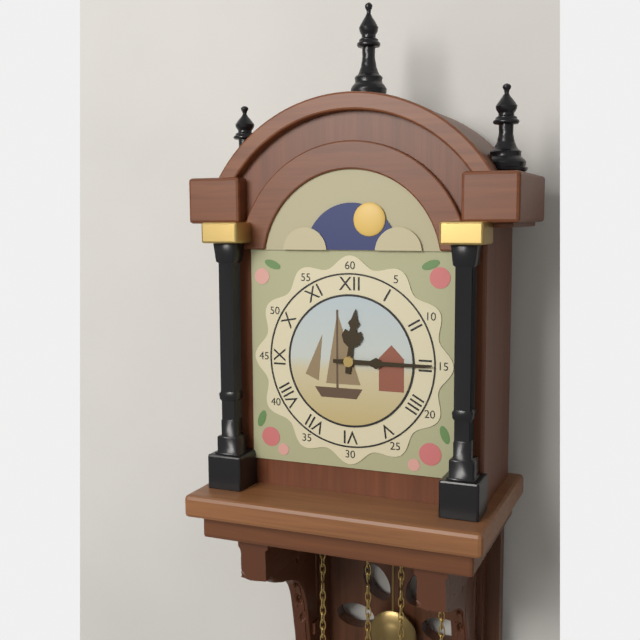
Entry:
12.15
